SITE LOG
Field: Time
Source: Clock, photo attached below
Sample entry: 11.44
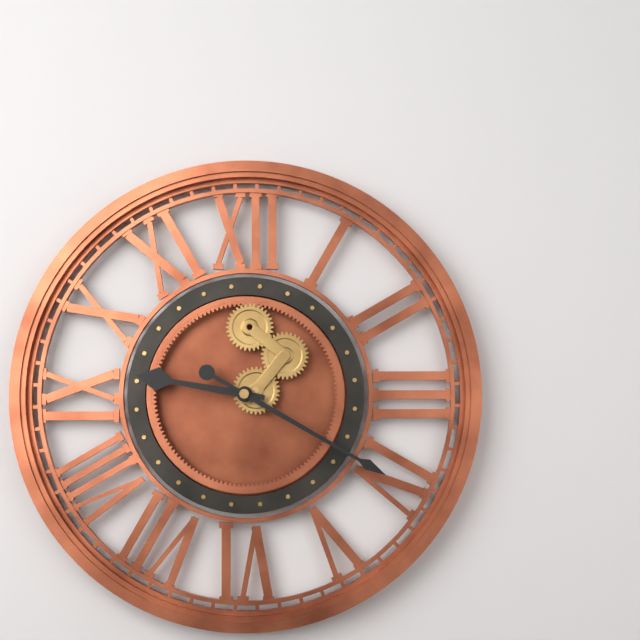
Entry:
9.20
